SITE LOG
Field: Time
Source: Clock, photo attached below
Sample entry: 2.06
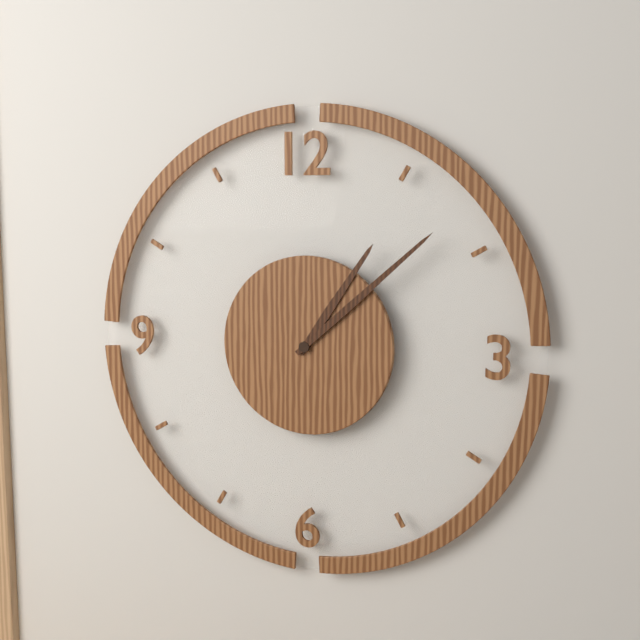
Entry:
1.08
